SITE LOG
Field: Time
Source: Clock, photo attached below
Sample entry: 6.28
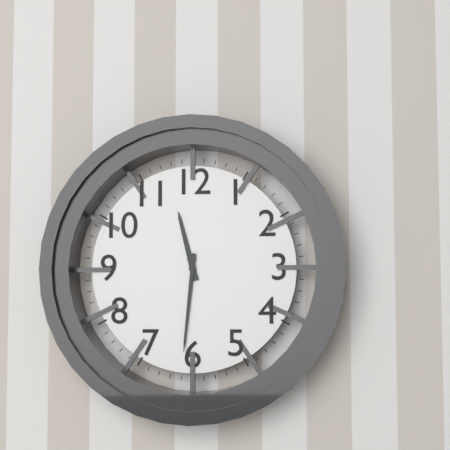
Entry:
11.31
